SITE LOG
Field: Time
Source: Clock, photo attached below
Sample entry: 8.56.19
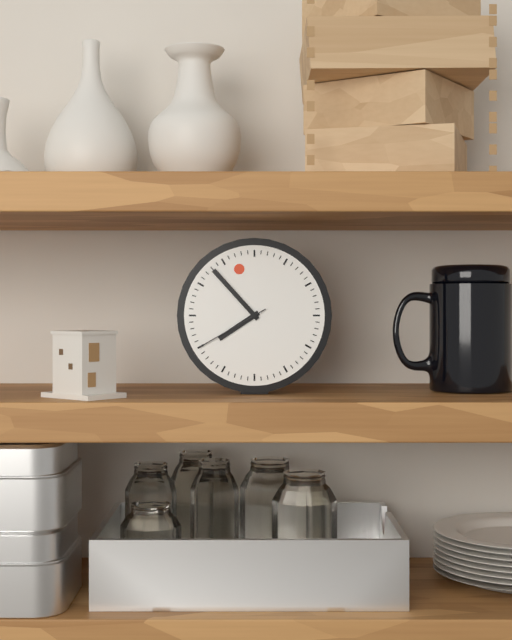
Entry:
7.53.40
